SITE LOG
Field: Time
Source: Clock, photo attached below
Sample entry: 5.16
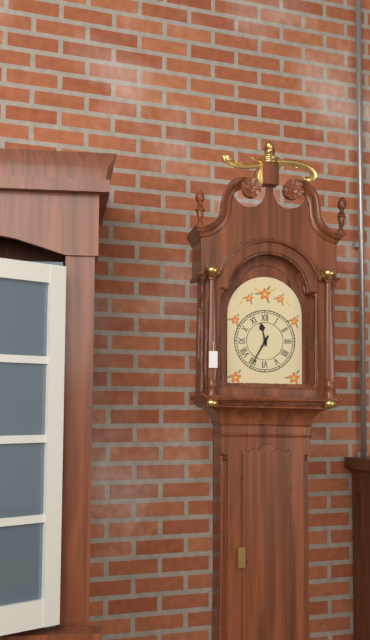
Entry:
11.35
